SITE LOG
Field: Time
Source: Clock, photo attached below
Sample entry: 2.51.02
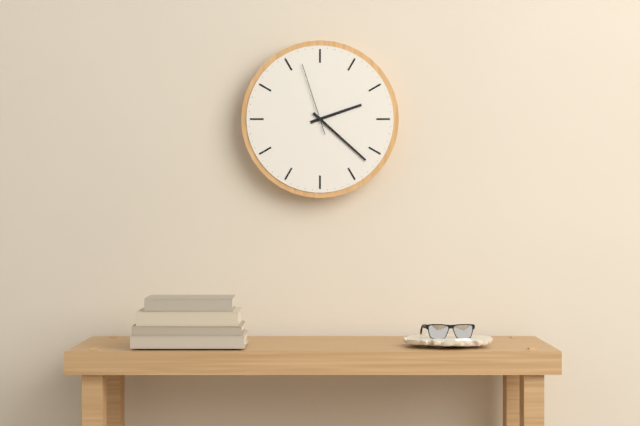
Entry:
2.22.57
